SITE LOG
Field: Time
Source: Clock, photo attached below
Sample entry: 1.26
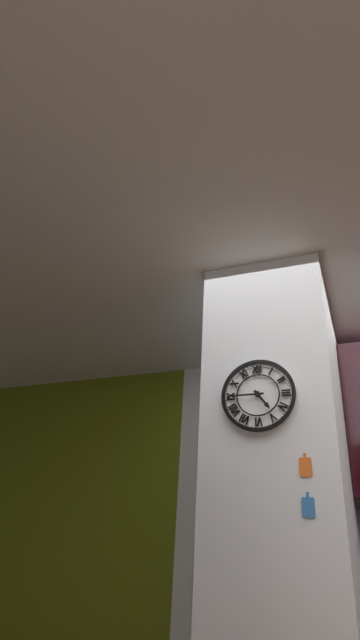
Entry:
4.45
